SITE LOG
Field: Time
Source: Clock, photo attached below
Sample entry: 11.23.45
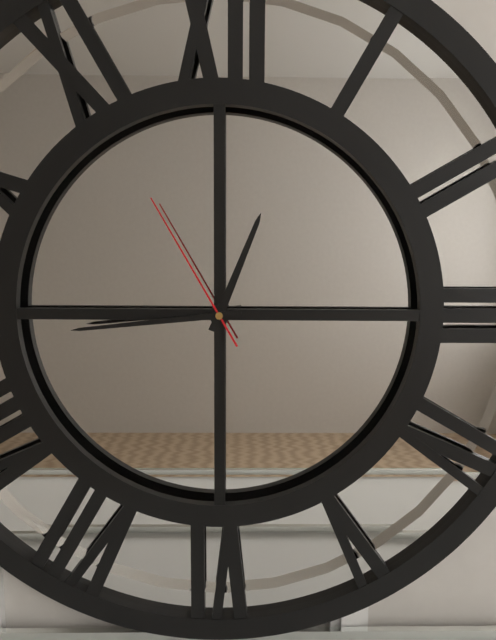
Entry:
12.44.55
